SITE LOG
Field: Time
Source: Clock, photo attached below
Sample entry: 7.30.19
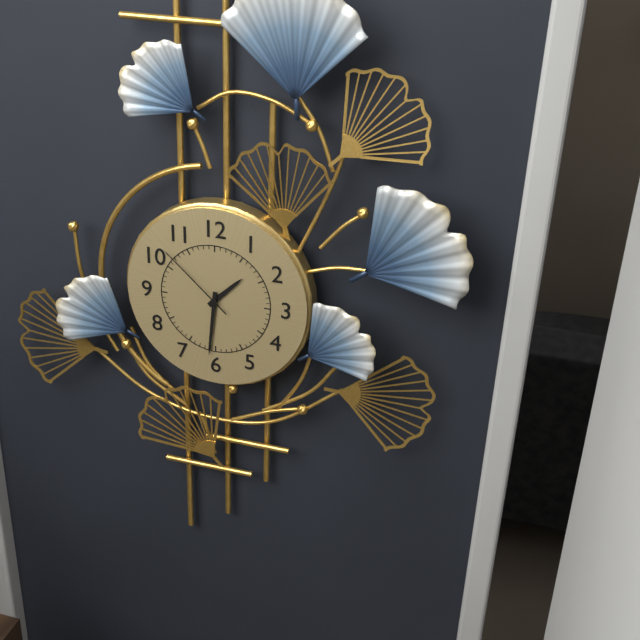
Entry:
1.31.52
